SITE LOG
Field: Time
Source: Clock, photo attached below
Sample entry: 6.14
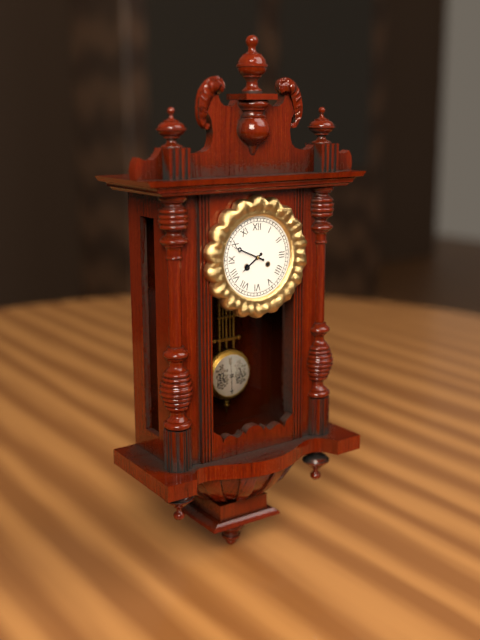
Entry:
7.49
